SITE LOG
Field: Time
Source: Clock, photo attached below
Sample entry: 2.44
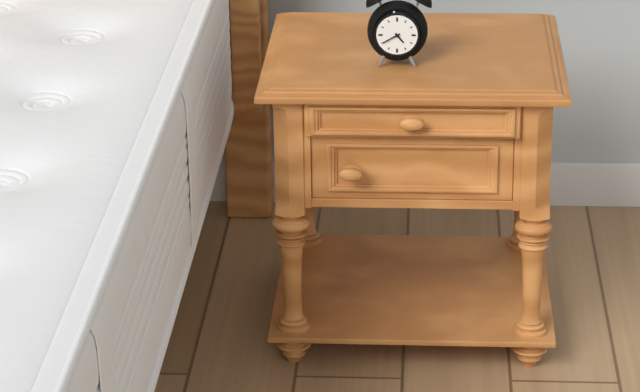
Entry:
4.40
